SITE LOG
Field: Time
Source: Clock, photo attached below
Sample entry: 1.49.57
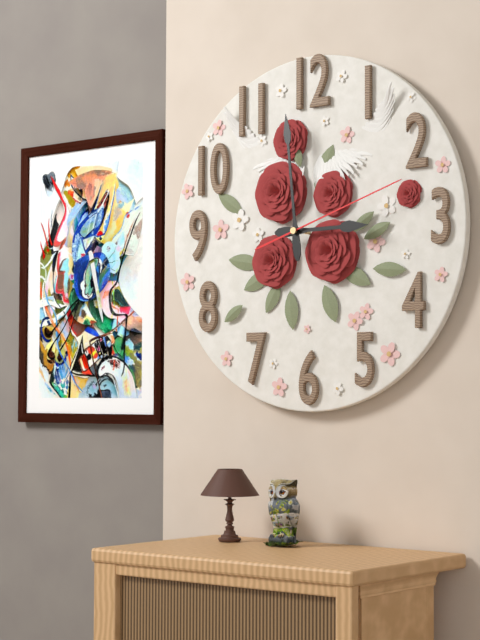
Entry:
2.59.12
